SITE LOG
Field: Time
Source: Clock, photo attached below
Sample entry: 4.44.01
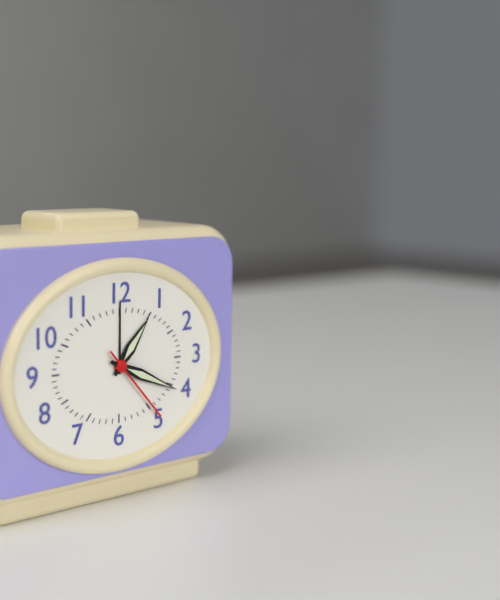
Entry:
1.19.23
